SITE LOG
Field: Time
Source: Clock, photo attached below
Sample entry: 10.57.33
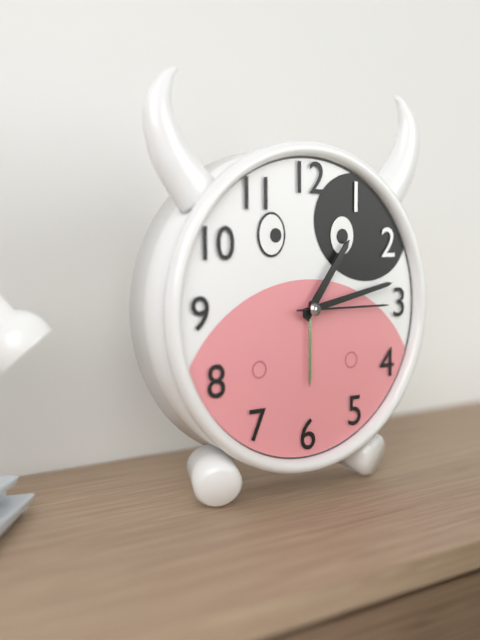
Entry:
1.13.15
